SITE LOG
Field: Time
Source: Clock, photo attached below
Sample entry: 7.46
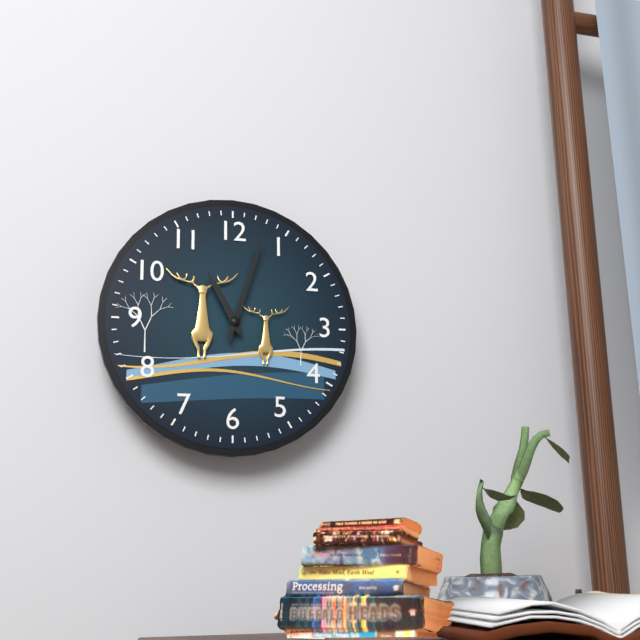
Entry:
11.03
